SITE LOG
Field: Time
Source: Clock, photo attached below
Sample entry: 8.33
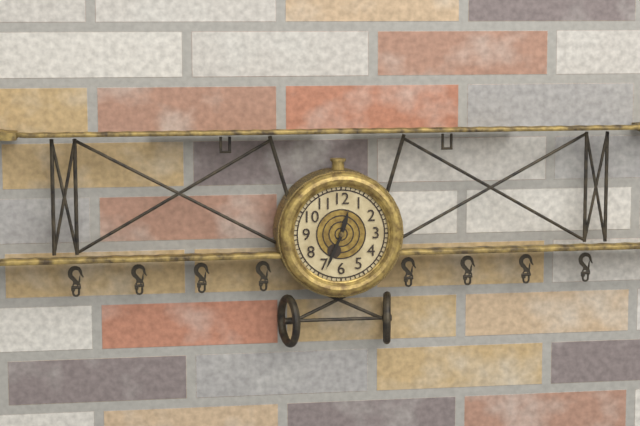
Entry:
12.34
